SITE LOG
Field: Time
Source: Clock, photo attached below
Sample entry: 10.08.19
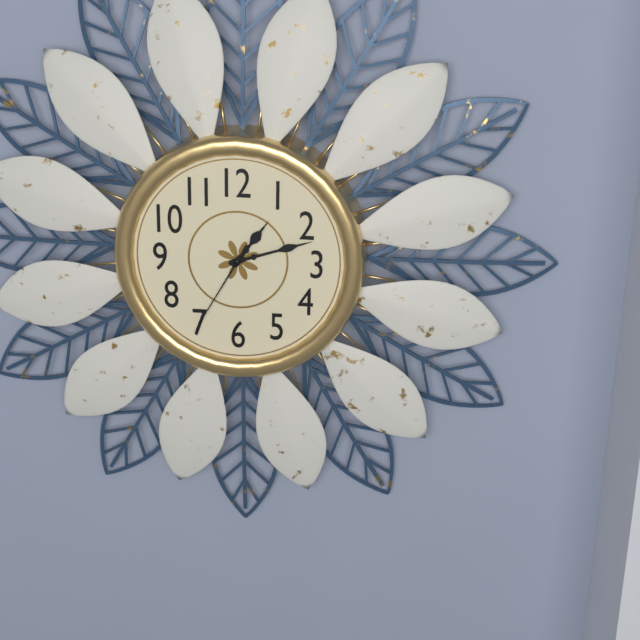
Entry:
1.12.35
